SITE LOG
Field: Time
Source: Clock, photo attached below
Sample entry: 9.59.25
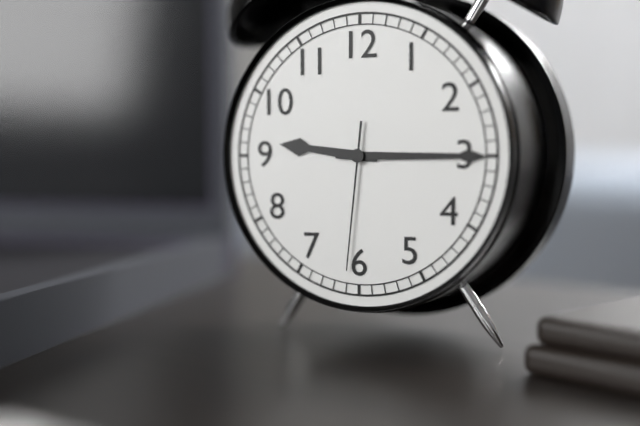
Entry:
9.15.31
